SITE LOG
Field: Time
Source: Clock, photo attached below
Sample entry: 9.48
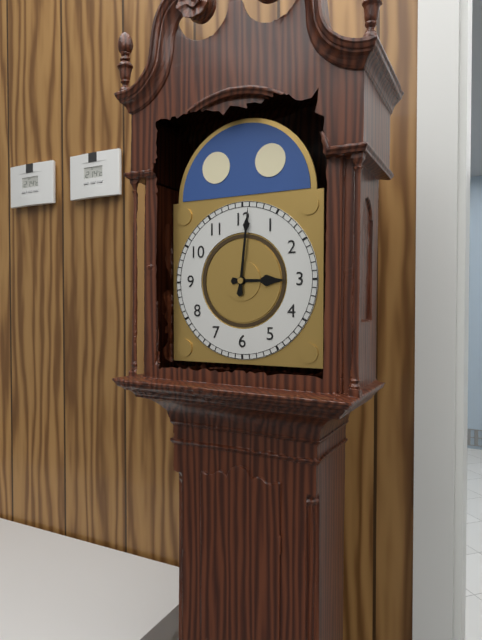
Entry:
3.01
